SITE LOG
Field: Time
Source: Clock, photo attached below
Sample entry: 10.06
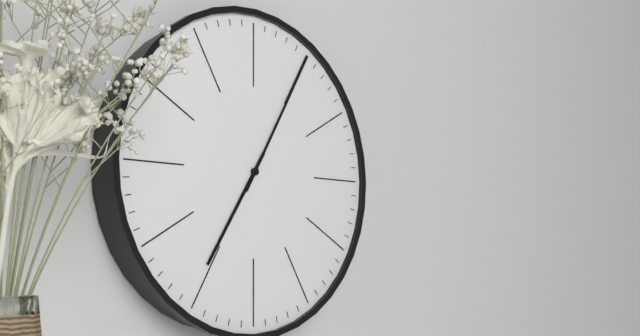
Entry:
7.05
